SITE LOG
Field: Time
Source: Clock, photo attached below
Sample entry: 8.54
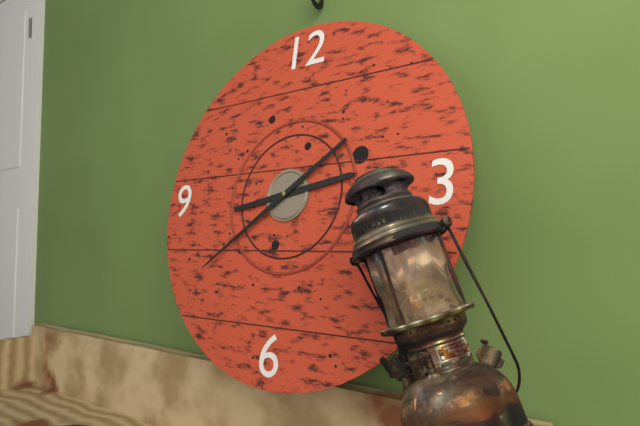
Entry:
2.39
